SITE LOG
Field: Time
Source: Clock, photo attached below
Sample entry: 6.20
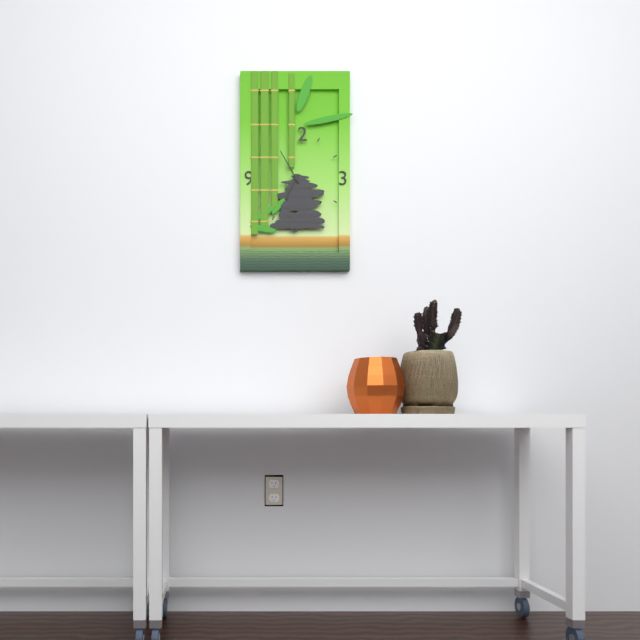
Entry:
6.55
